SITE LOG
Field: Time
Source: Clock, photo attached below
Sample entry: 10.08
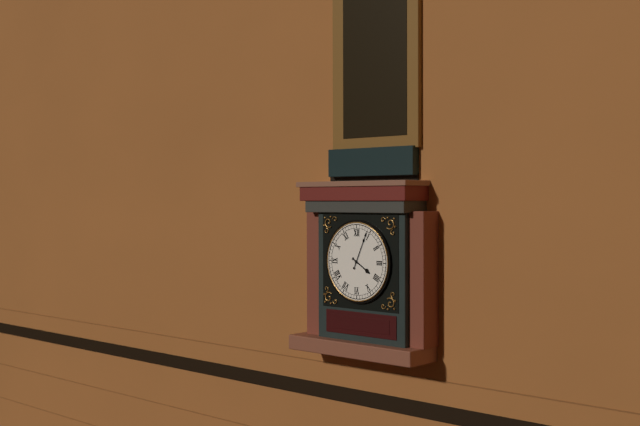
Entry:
4.04
